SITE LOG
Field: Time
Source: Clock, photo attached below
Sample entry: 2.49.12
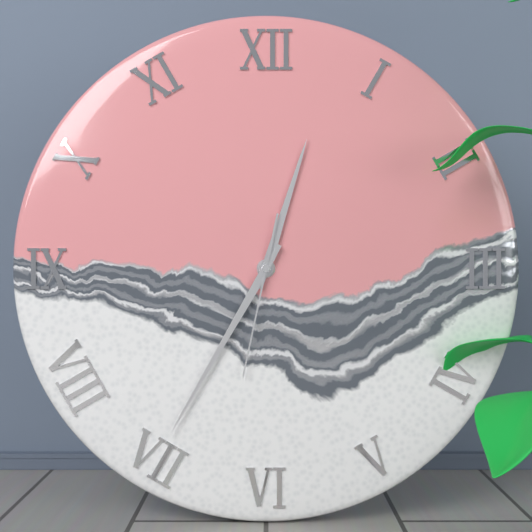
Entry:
12.35.32
